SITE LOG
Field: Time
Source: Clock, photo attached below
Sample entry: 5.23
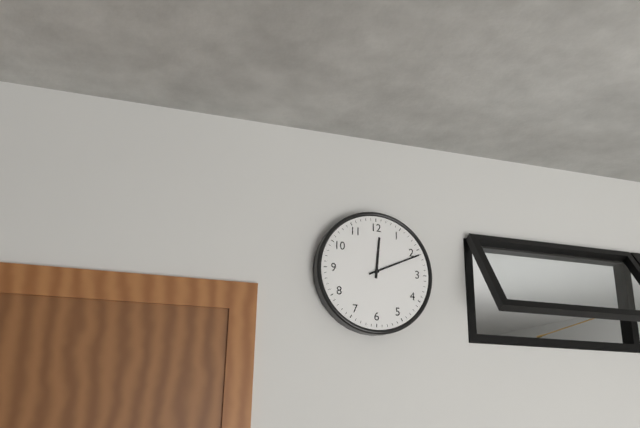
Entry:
12.11
